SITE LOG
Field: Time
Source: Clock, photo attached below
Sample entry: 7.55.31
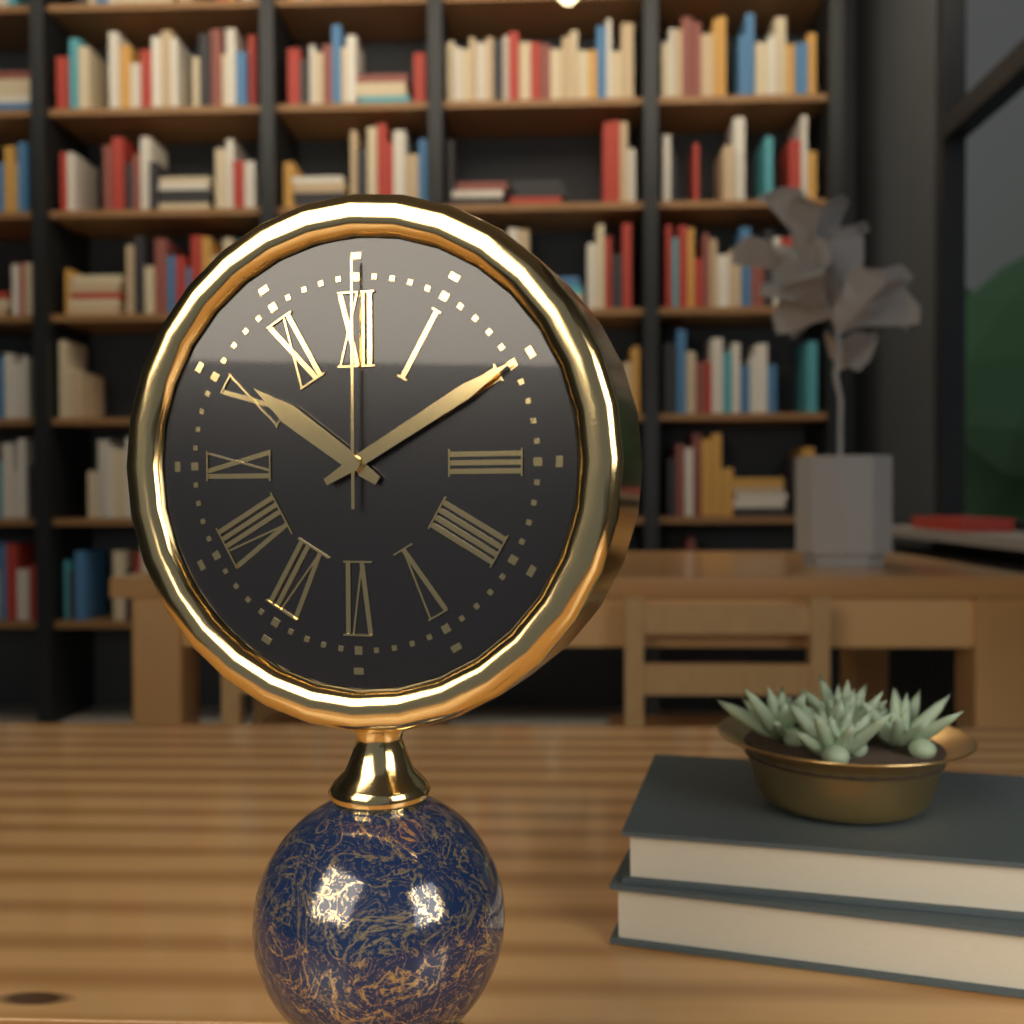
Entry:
10.10.00
